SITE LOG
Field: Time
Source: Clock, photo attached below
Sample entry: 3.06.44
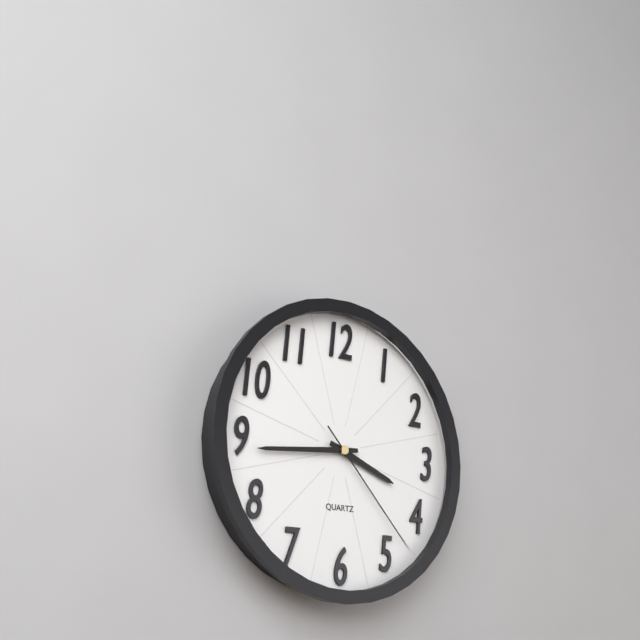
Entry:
3.44.23
